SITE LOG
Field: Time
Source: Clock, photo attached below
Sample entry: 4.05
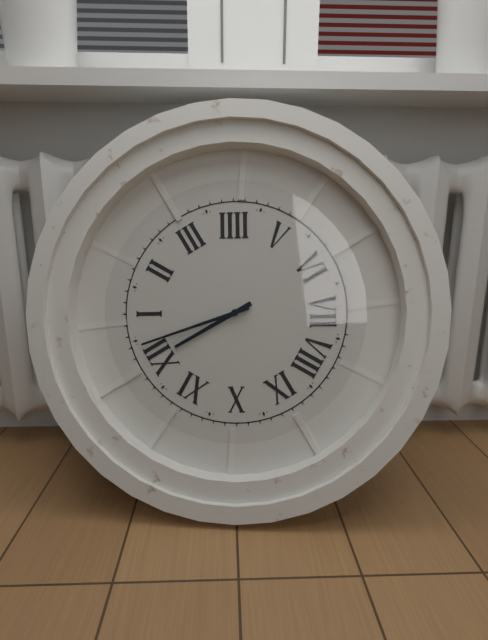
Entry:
12.02
